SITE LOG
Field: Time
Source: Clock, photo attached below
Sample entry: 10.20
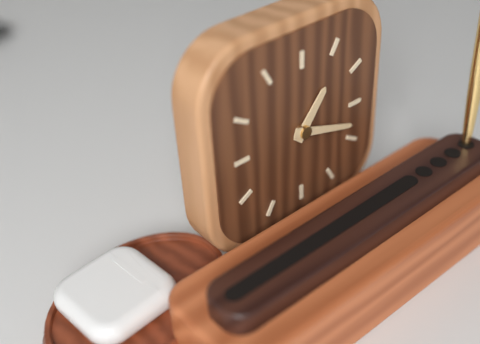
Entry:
1.18
